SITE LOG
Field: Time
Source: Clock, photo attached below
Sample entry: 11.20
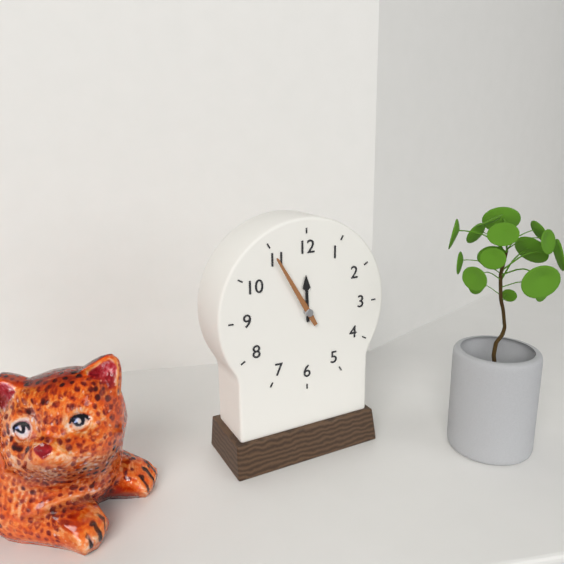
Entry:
11.55
